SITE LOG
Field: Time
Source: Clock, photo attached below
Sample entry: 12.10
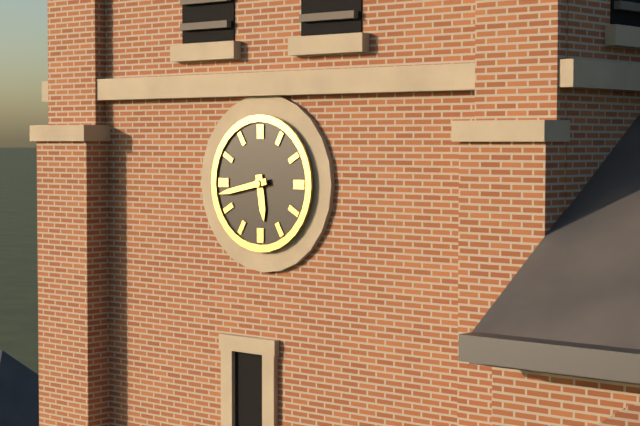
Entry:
5.43
